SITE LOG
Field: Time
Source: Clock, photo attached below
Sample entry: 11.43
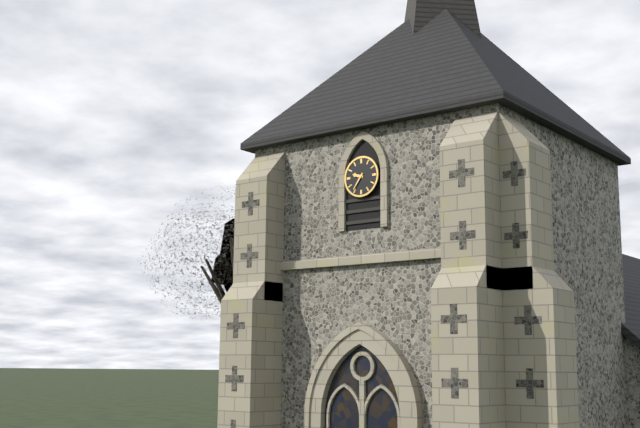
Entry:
9.36
